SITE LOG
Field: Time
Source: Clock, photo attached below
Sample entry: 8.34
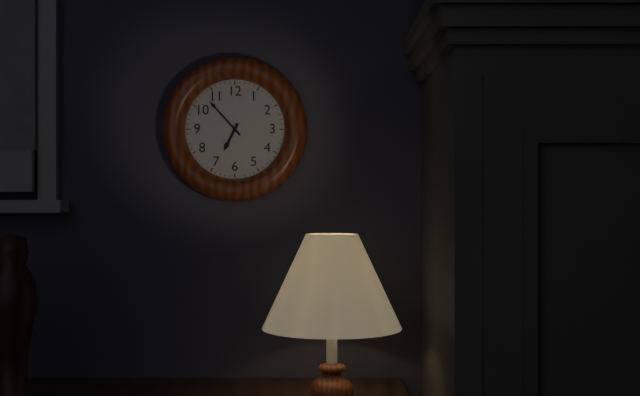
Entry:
6.53
